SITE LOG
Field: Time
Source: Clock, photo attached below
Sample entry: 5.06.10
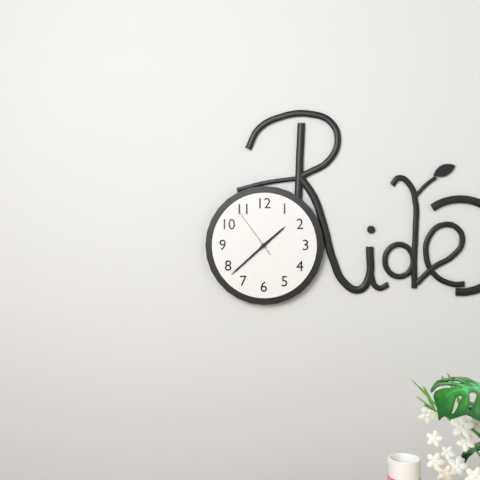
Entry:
1.38.54
